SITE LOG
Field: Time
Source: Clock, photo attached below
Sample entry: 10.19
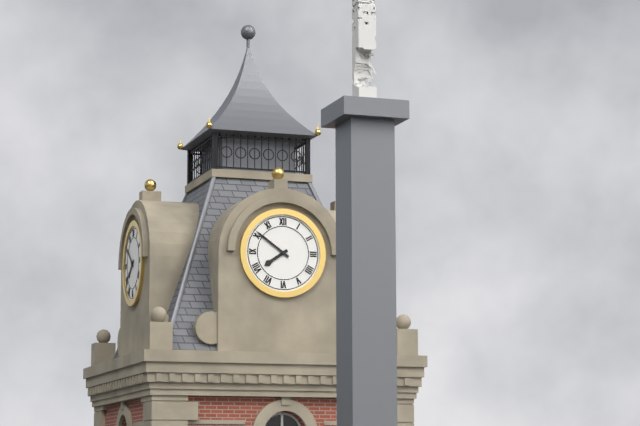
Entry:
7.51
